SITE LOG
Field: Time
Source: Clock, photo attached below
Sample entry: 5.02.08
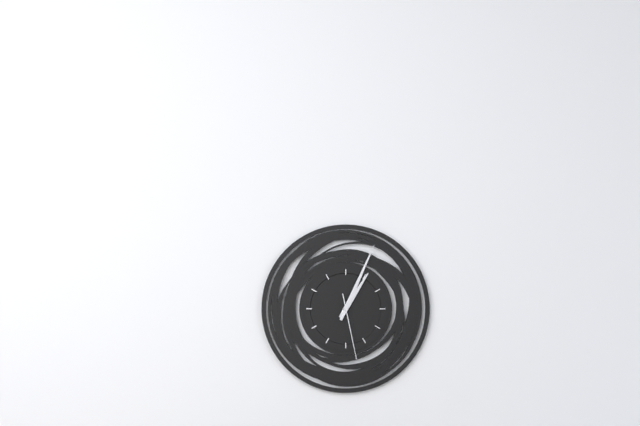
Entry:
1.04.28
